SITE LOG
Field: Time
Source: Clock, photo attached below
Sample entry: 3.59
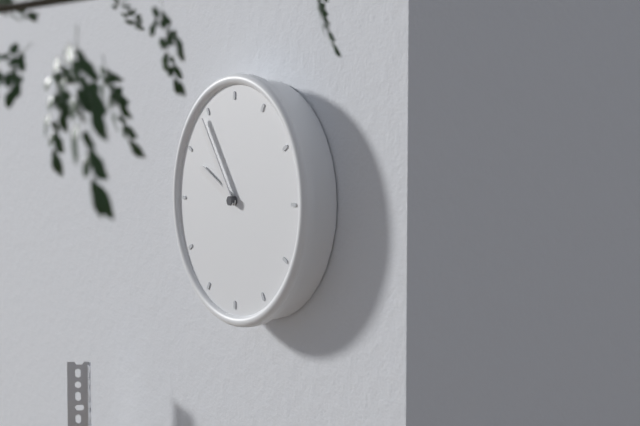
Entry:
9.54
